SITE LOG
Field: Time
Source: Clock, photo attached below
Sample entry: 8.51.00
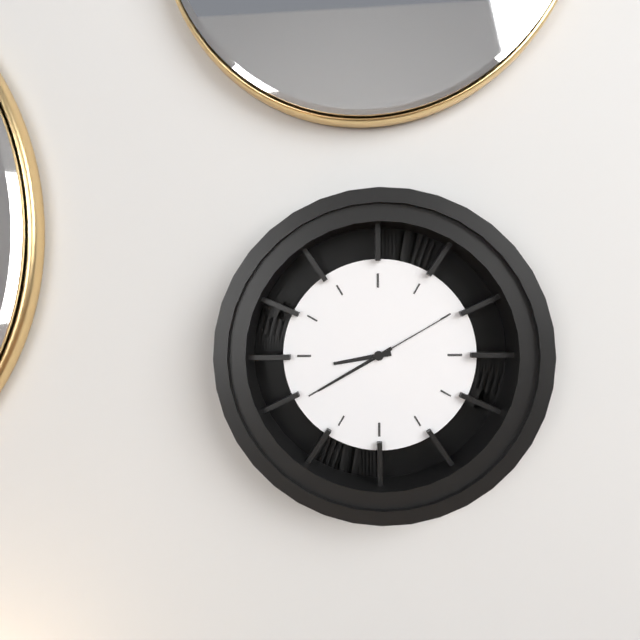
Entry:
8.40.10
